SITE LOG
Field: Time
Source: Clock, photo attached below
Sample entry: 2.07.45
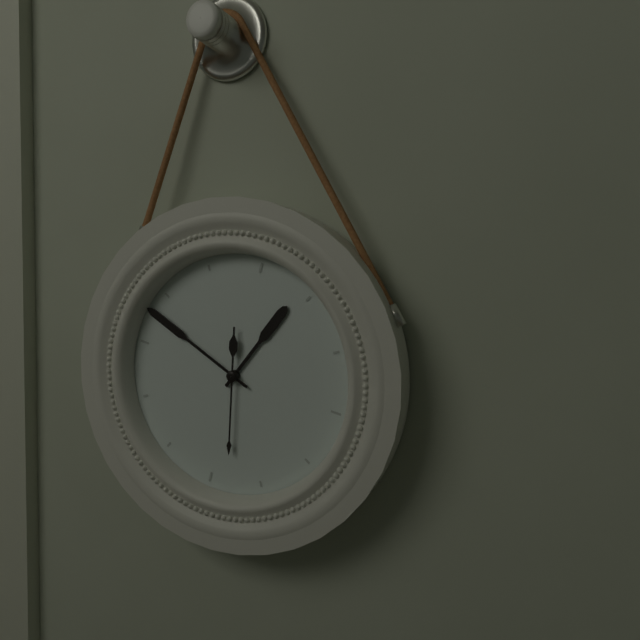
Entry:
12.48.28
